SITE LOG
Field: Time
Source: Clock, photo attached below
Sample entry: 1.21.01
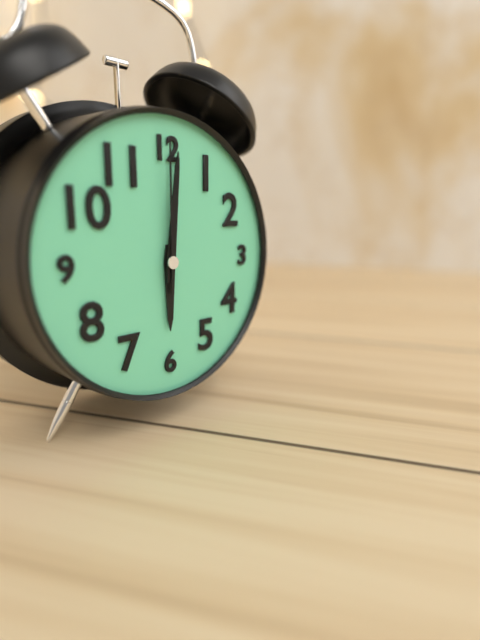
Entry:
6.01.00
